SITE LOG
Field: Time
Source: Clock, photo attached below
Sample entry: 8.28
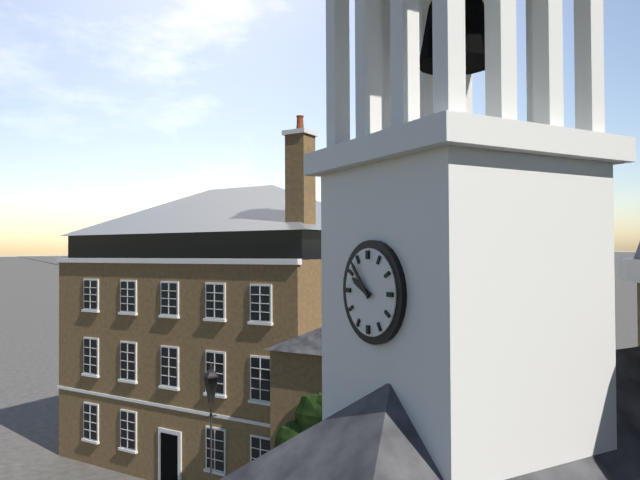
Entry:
9.53
